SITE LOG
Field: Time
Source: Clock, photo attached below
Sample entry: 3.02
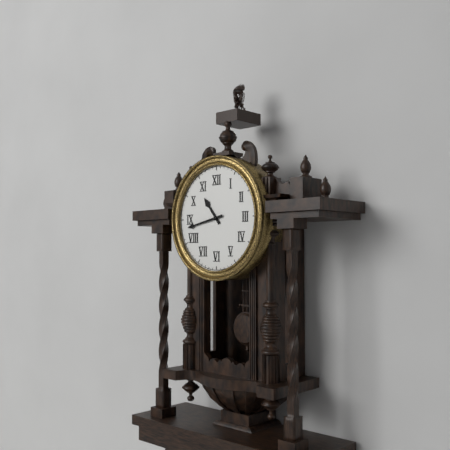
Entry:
10.43
